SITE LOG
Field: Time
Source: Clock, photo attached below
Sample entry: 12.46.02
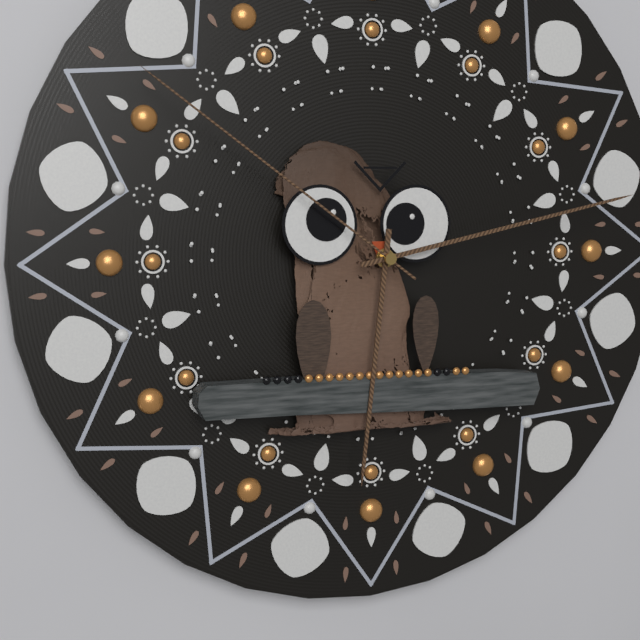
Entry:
6.13.51
